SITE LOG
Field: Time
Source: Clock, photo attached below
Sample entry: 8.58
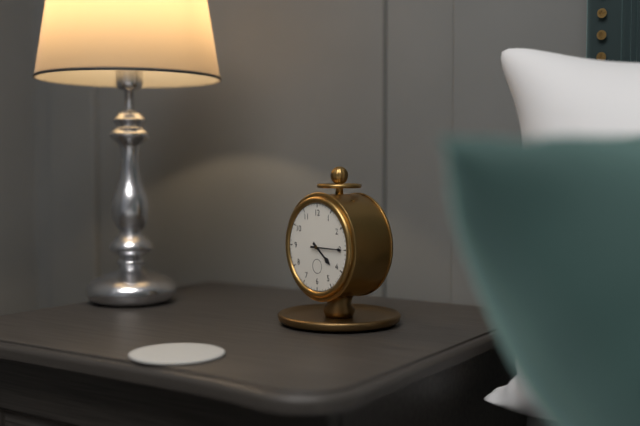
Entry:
4.15
